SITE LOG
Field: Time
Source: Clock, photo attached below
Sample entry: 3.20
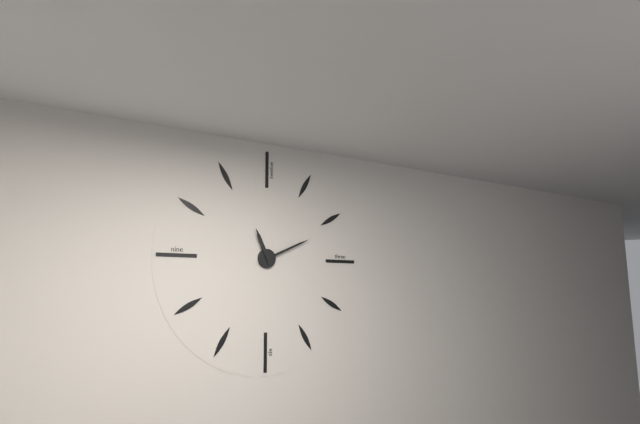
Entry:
11.11
